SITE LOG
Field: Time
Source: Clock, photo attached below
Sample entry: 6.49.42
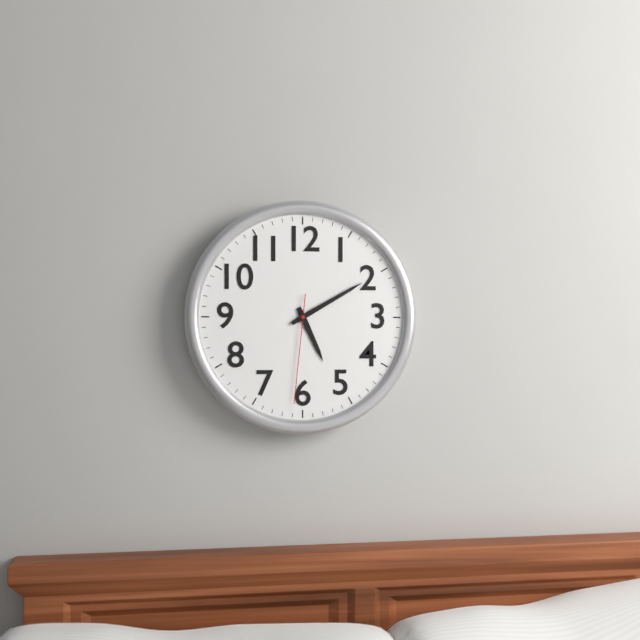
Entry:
5.10.31
